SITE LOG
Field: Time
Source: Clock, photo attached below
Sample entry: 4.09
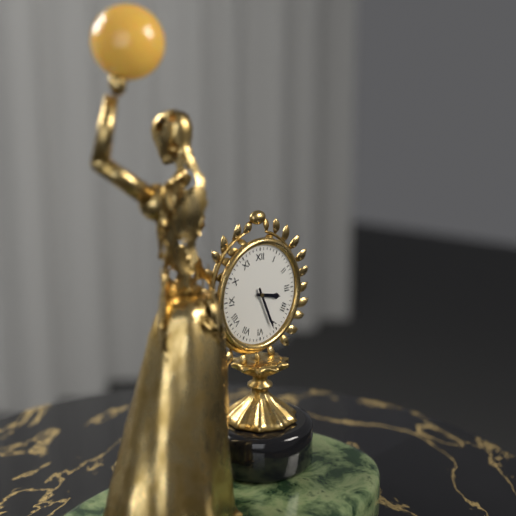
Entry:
3.26
